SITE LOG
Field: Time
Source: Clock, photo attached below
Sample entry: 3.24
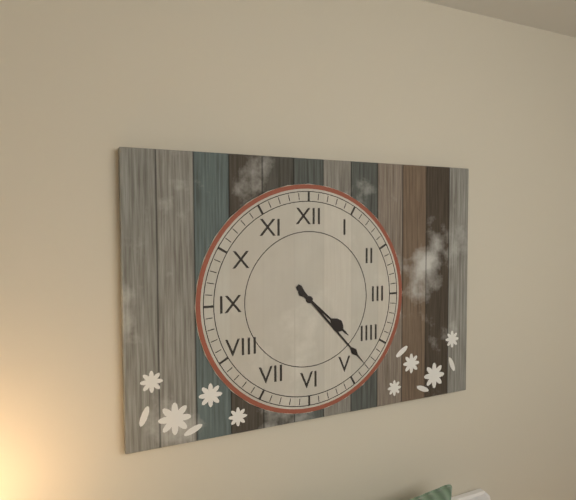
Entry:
4.23
